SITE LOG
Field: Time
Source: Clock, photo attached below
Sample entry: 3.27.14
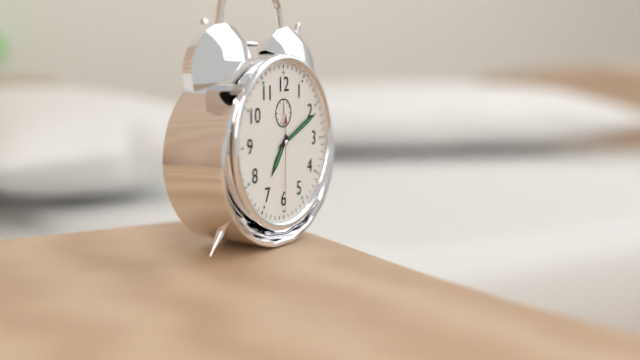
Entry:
7.11.30
